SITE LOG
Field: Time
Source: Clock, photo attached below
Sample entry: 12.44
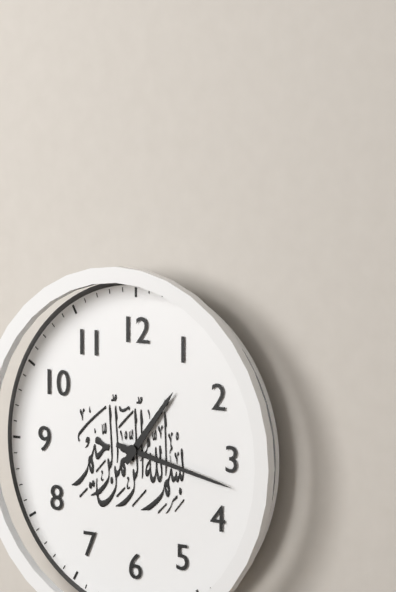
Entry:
1.17
